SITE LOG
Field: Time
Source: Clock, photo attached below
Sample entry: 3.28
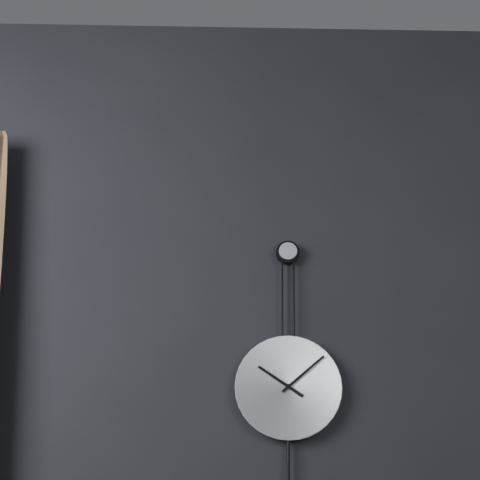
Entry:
10.08
